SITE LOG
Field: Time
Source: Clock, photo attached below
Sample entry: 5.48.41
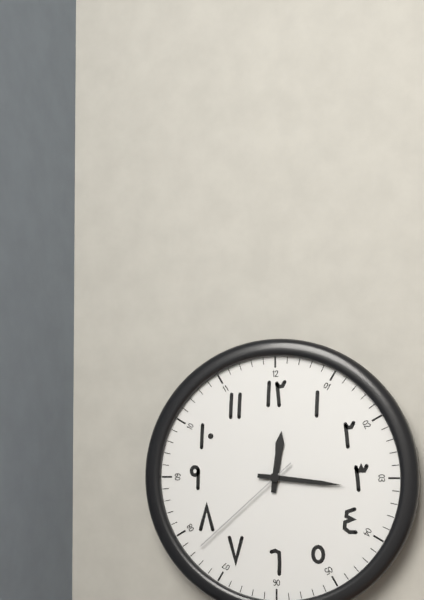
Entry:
12.16.38
